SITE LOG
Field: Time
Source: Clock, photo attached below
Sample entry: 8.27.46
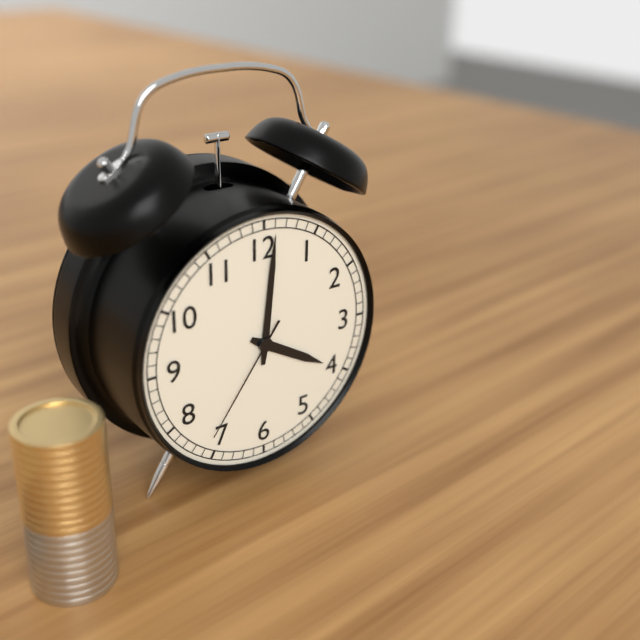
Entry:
4.01.36
